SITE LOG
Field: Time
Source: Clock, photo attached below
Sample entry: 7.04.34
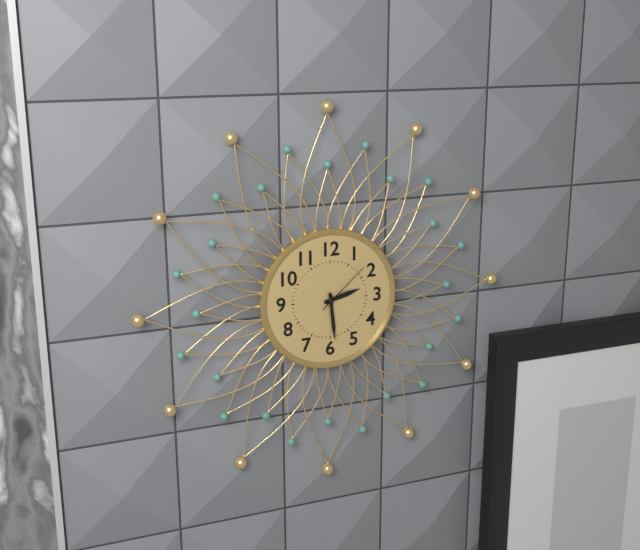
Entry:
2.29.08
